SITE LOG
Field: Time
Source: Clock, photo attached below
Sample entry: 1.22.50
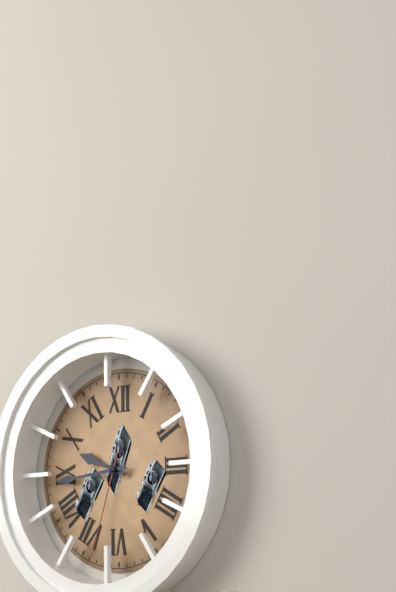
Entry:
9.44.33
